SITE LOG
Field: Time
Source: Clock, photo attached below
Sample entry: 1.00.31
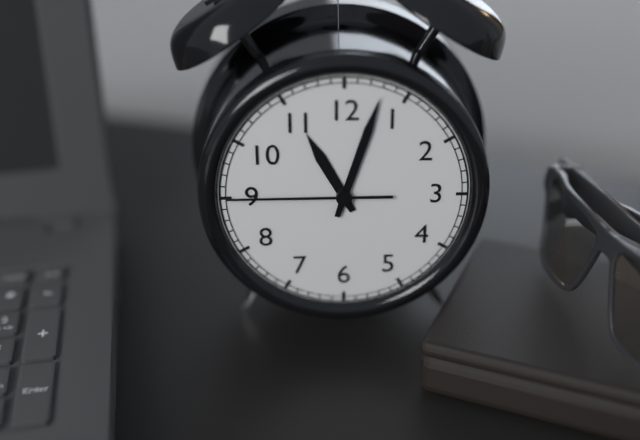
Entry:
11.03.45
